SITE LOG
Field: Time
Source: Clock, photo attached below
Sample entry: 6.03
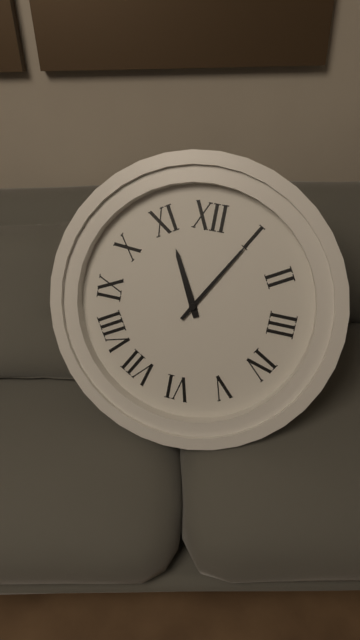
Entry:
11.05
